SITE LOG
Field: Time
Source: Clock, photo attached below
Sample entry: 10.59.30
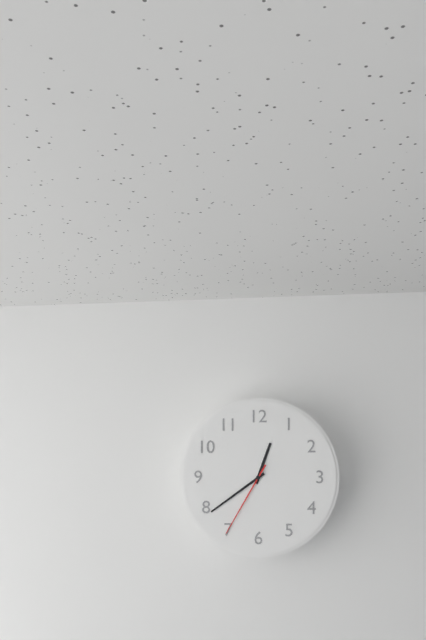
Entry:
12.39.35
